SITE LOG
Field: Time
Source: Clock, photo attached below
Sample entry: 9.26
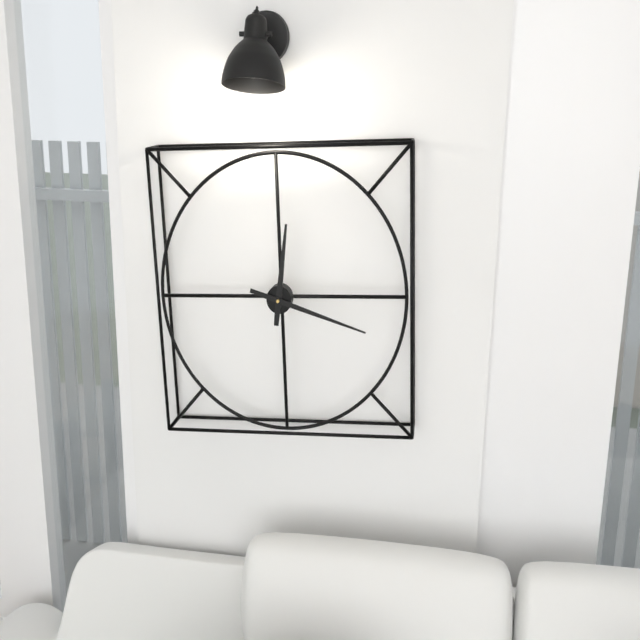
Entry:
12.18
